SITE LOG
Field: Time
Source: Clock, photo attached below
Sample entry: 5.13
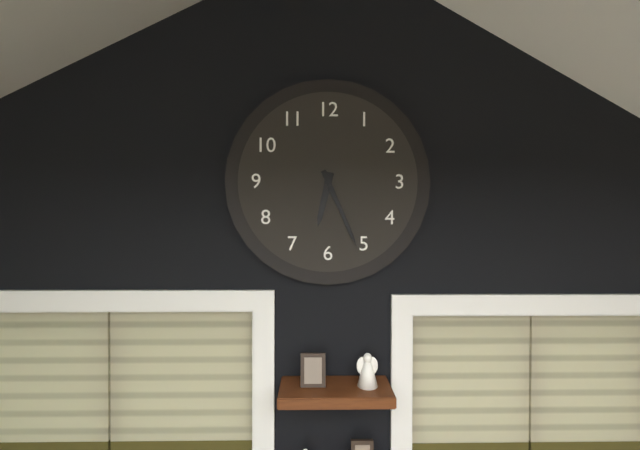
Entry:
6.26
